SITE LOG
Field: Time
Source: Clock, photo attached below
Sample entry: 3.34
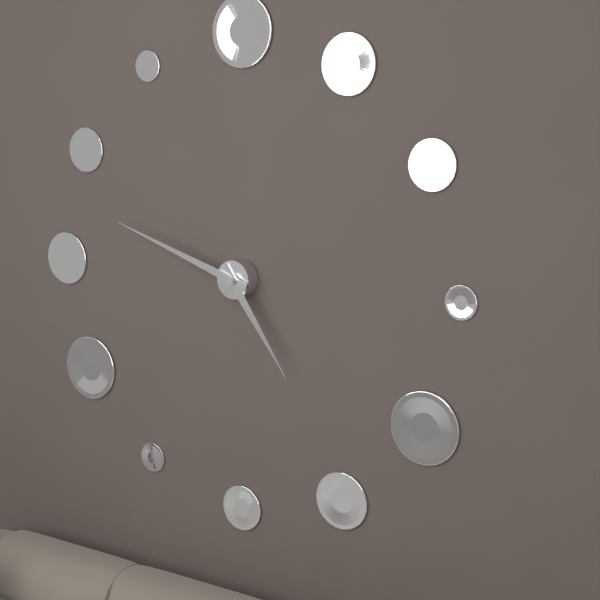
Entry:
4.48
